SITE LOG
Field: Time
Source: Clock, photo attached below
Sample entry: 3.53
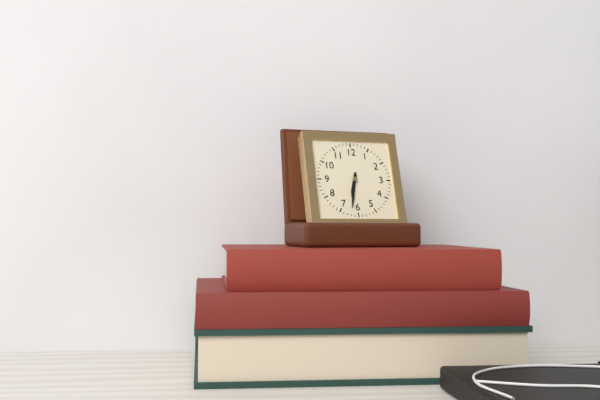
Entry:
6.32
